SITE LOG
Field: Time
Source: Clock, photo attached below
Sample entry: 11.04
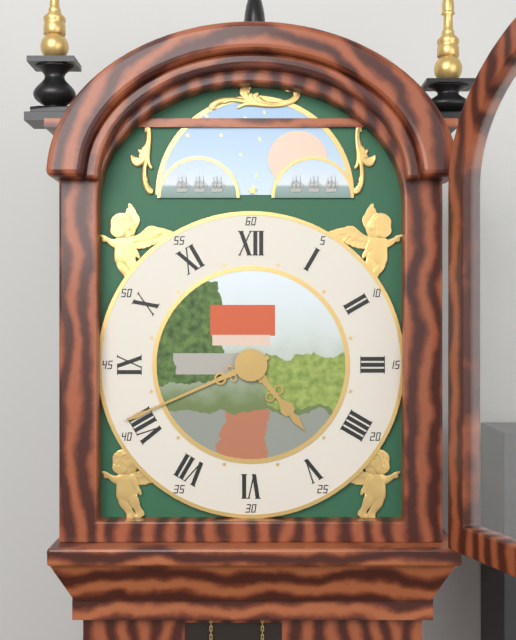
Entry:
4.41
